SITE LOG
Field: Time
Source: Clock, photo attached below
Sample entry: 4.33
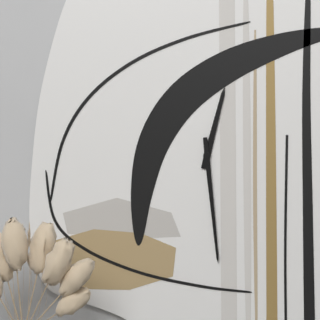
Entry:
12.29
